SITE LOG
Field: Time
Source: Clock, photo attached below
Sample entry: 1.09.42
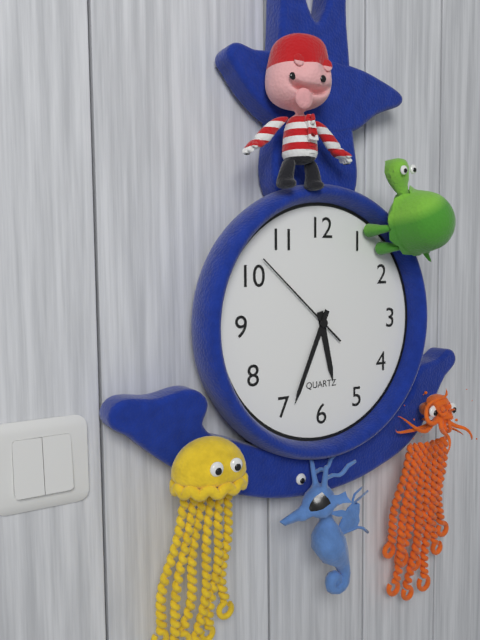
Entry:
5.34.52
